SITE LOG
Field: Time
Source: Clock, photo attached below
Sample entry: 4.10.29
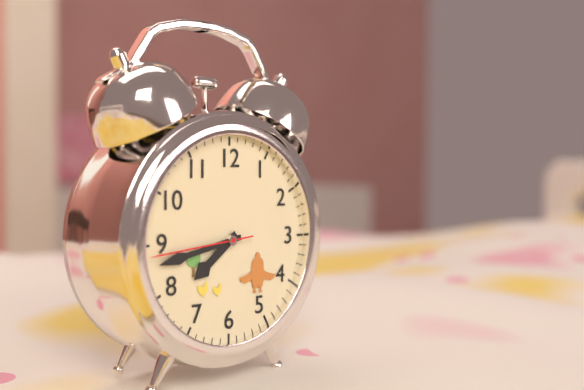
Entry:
7.43.44
